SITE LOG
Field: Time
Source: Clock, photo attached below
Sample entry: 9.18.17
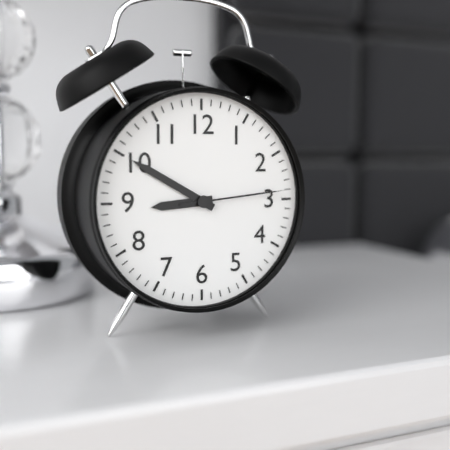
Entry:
8.50.14
